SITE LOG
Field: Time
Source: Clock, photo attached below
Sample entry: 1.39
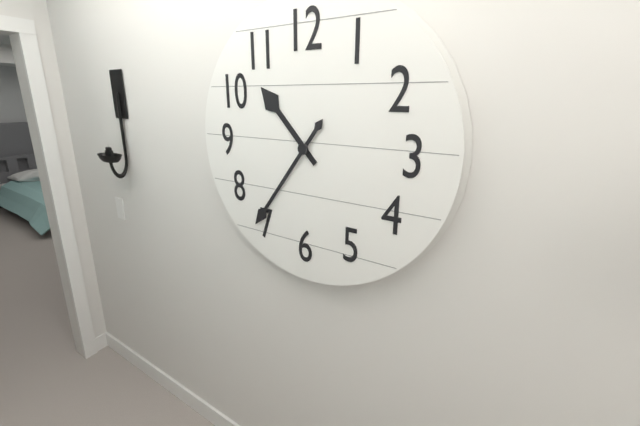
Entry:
10.36
